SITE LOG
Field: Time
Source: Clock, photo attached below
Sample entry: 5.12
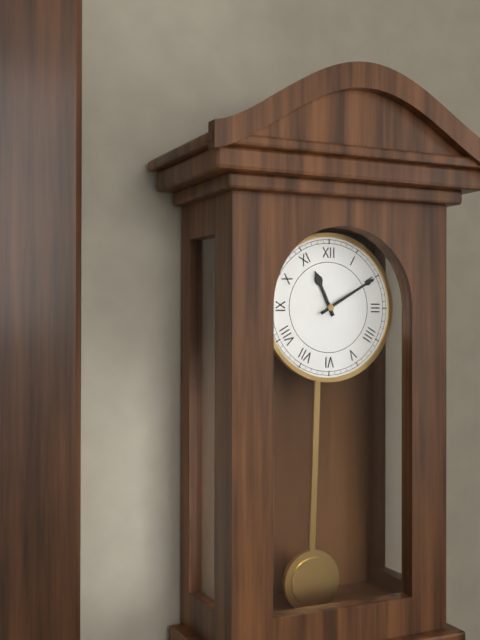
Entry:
11.10
